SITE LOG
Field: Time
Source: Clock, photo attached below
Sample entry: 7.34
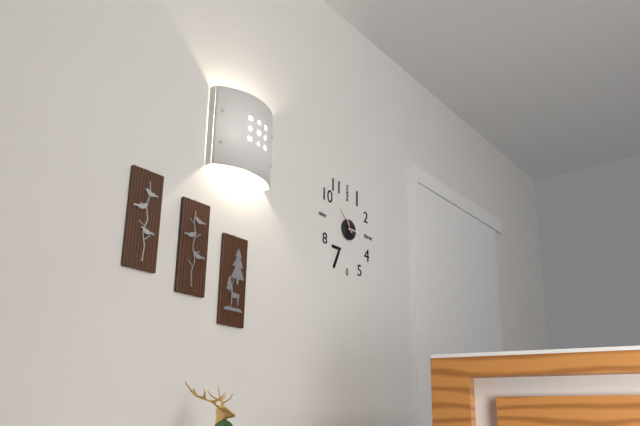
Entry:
2.55
